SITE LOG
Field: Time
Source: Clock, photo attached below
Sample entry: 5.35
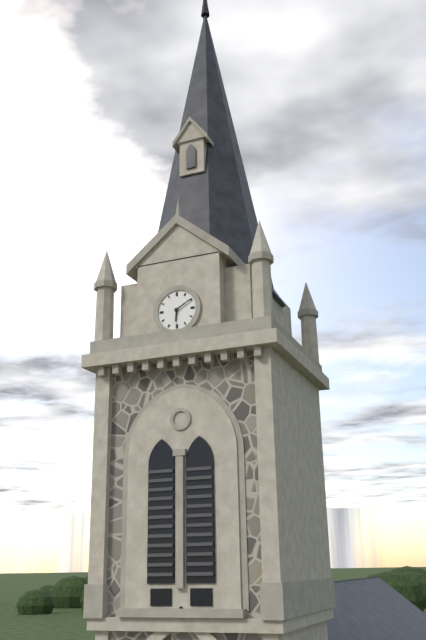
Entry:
6.10
